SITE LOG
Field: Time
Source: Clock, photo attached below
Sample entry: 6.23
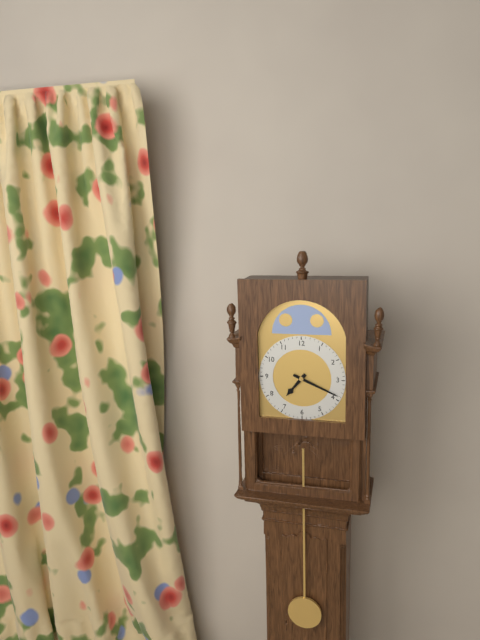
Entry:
7.19
